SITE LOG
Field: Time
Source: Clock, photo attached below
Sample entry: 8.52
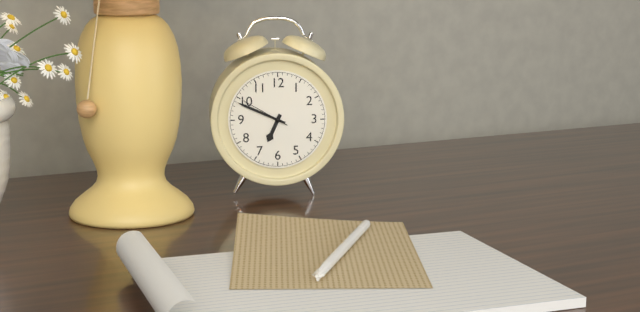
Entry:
6.49
